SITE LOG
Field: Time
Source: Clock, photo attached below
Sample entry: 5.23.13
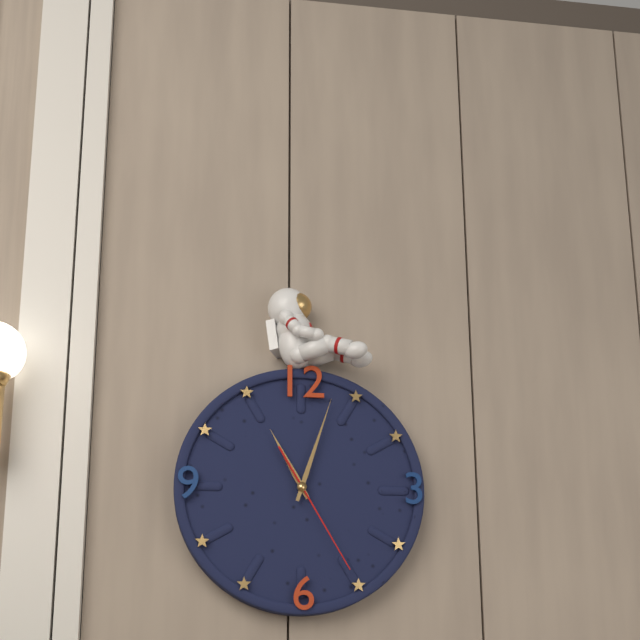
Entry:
11.03.25
